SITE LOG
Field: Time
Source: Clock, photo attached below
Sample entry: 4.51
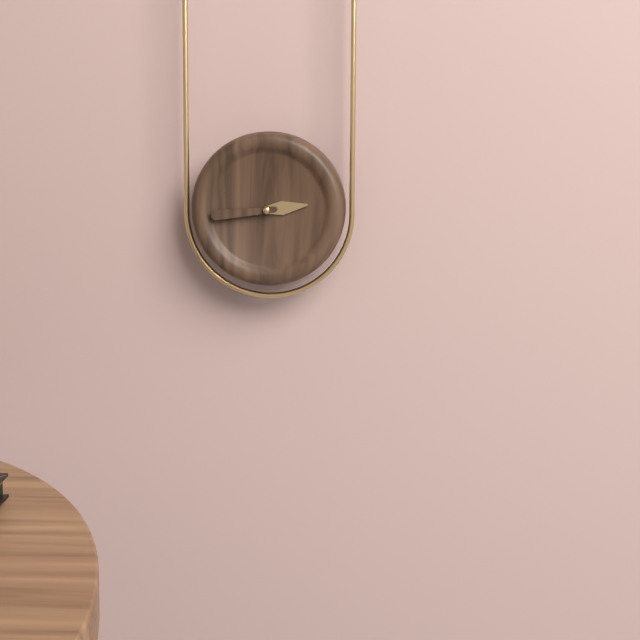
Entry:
2.44
